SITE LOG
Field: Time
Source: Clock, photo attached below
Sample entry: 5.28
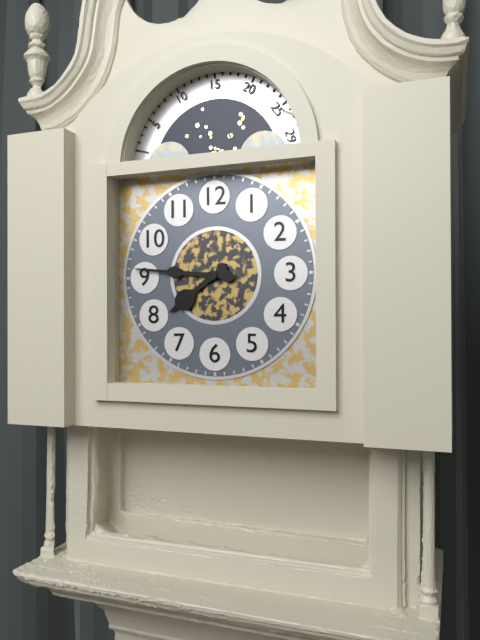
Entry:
7.46
